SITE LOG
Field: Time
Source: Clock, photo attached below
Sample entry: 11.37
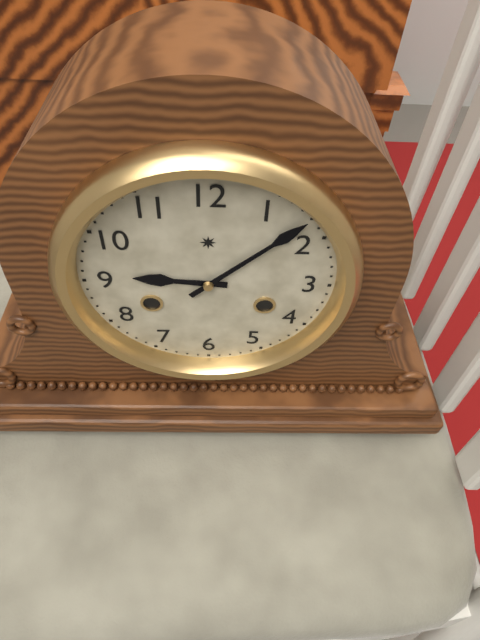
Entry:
9.08
